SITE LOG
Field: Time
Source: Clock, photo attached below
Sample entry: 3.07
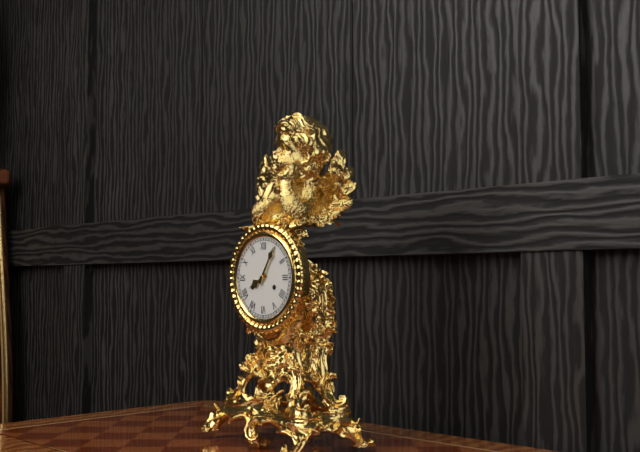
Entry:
8.05
